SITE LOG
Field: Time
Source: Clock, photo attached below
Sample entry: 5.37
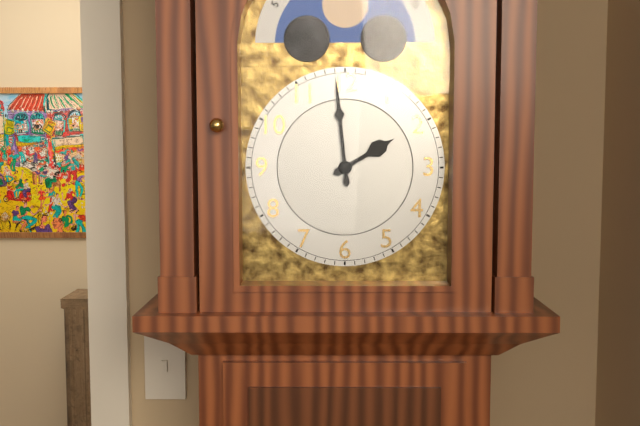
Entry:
1.59
